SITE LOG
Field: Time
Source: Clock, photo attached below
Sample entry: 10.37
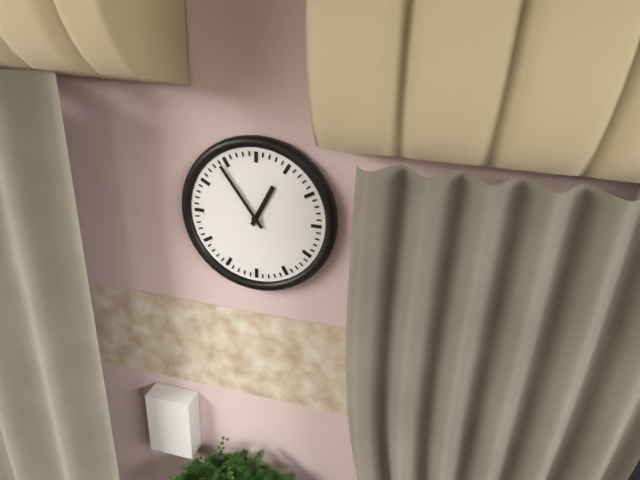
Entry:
12.54
